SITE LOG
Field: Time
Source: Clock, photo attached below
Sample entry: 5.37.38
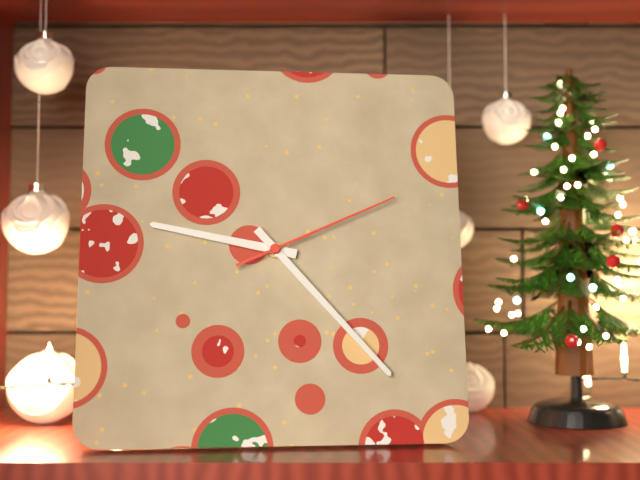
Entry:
9.23.11
